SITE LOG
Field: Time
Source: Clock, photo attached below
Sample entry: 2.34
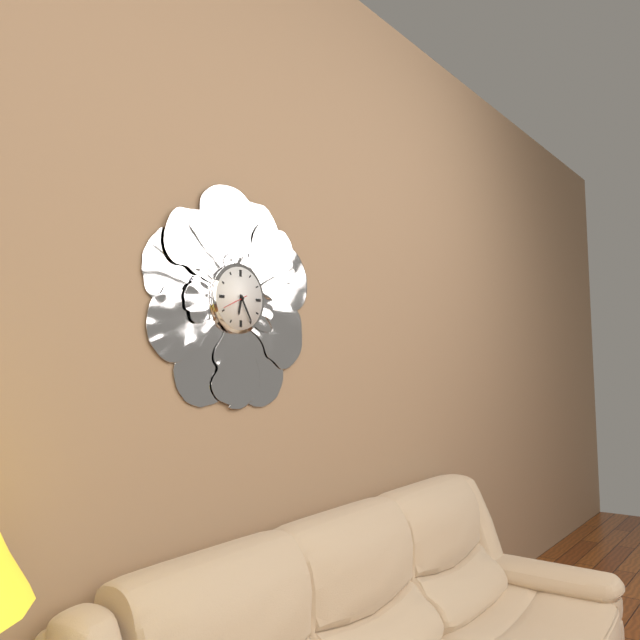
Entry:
6.25
